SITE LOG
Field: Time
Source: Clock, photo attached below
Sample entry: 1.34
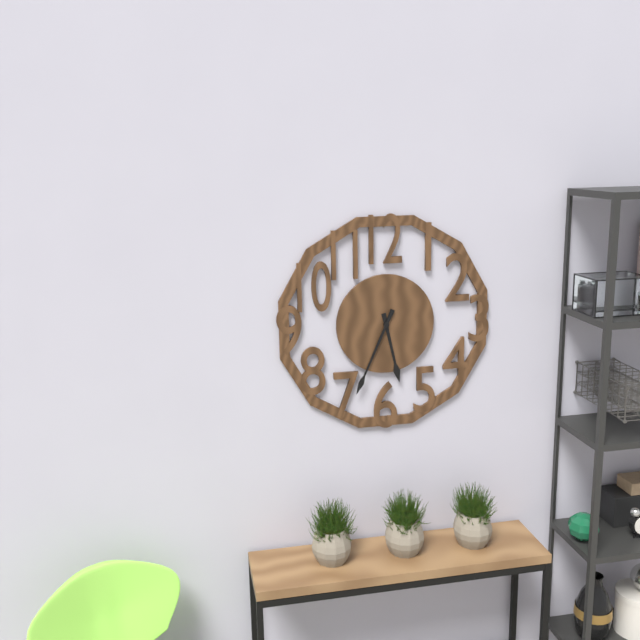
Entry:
5.34
